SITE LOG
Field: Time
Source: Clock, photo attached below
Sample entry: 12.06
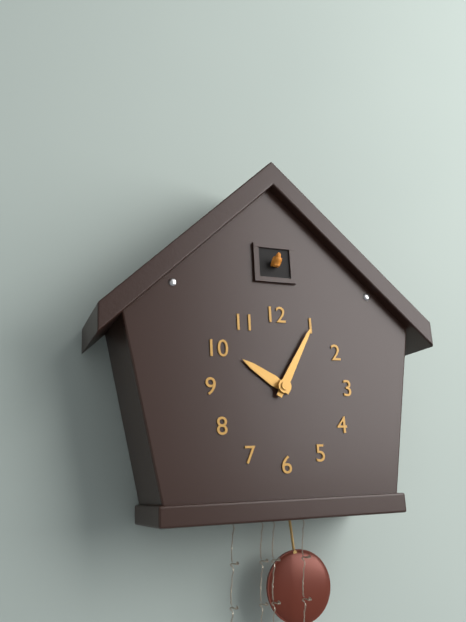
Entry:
10.05
